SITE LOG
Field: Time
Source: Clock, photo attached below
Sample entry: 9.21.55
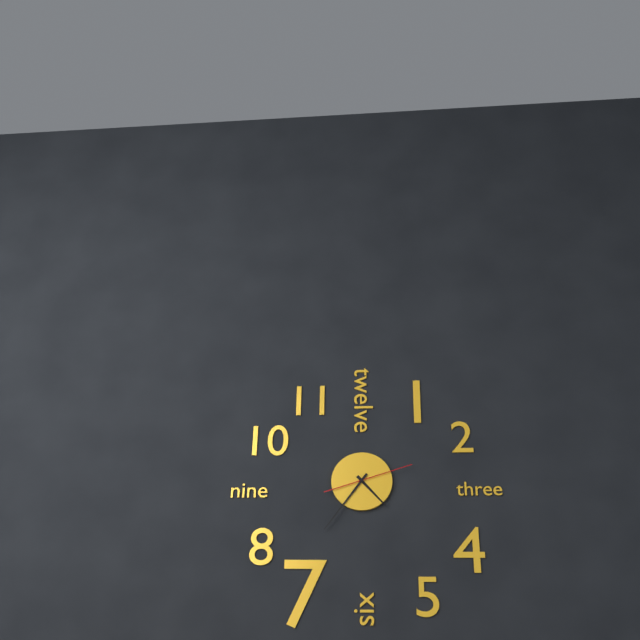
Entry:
4.36.12
